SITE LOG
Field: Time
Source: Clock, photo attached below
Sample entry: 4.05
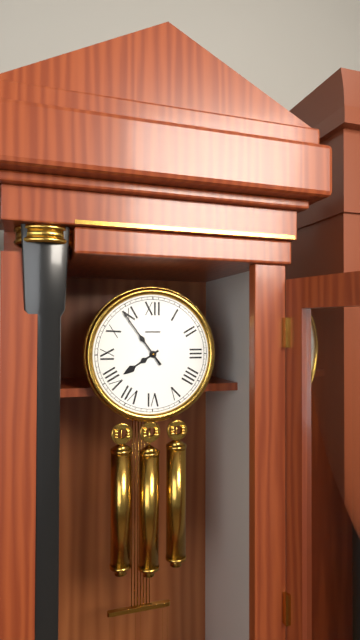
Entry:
7.54
